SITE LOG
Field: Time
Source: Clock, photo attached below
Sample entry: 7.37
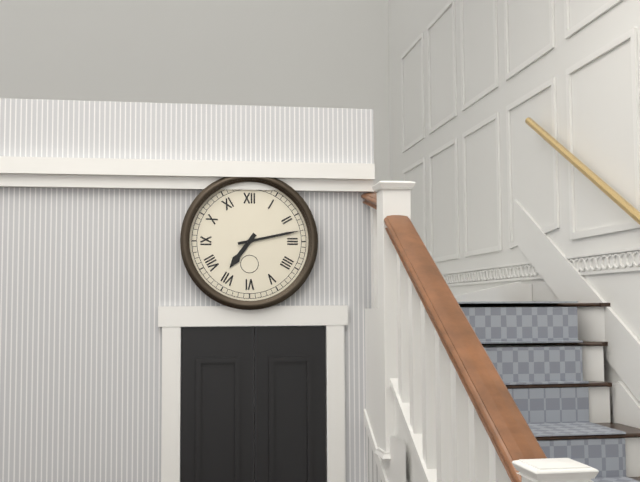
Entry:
7.13
